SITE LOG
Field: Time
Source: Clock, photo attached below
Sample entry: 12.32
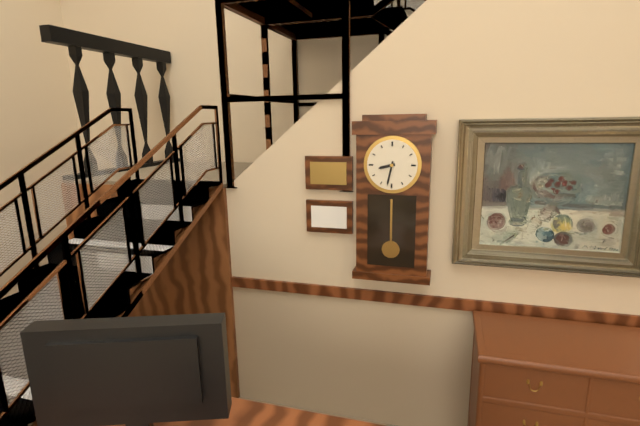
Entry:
8.32
